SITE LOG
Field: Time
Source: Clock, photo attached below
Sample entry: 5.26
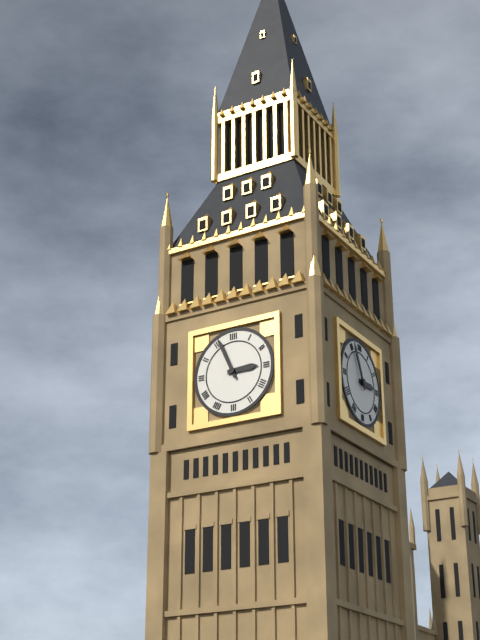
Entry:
2.56
